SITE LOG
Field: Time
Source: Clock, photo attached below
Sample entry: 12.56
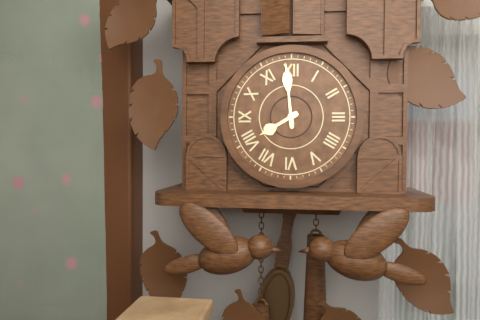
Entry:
7.59
